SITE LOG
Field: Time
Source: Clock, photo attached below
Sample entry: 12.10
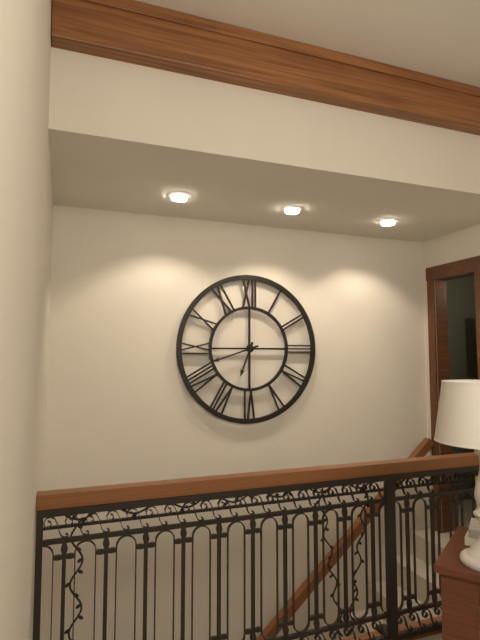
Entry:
6.42
